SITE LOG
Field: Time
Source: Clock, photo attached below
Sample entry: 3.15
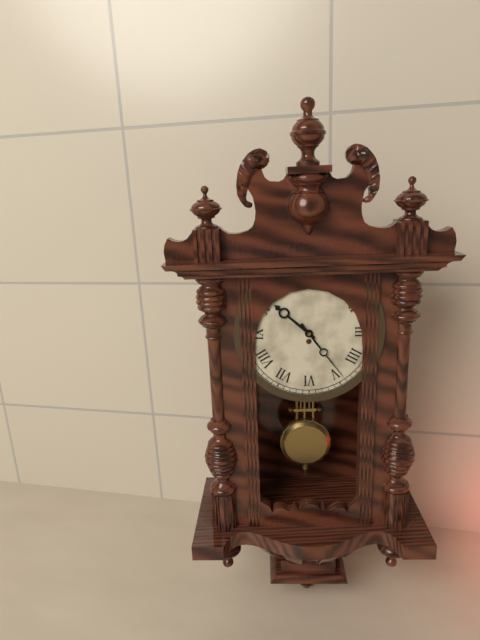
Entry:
10.24
